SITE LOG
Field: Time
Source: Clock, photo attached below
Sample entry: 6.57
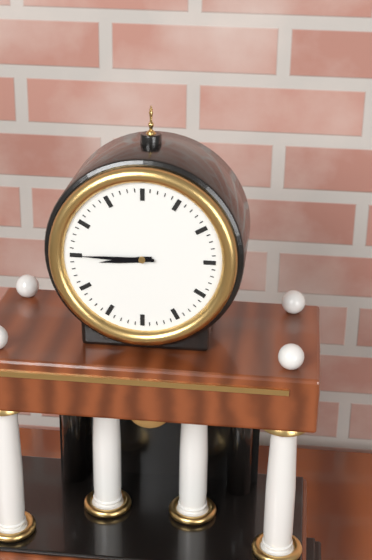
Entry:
8.45
